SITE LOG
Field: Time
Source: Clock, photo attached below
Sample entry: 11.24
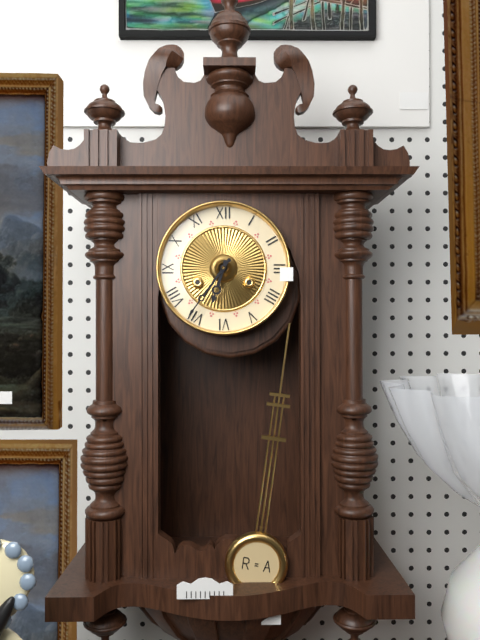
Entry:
6.36
